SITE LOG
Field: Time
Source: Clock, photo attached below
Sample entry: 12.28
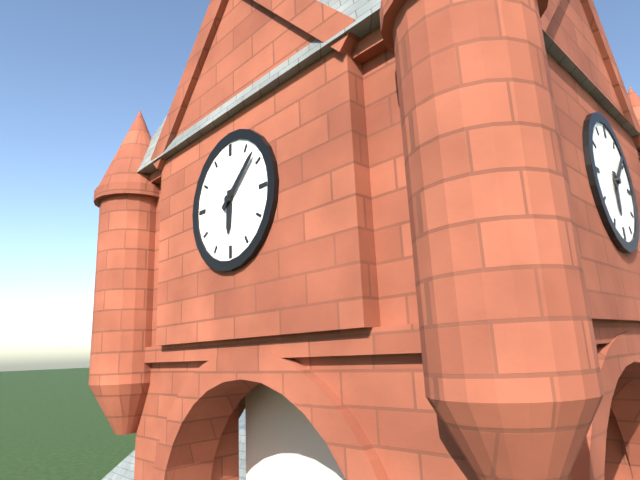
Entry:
6.08
